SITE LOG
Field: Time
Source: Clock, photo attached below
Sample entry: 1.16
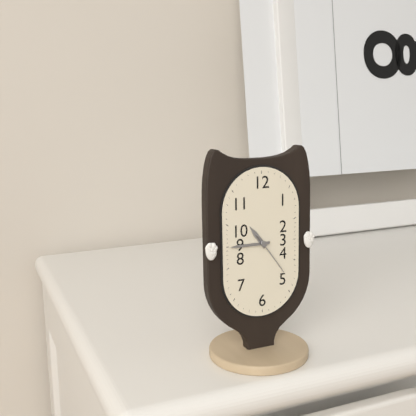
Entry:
10.45
